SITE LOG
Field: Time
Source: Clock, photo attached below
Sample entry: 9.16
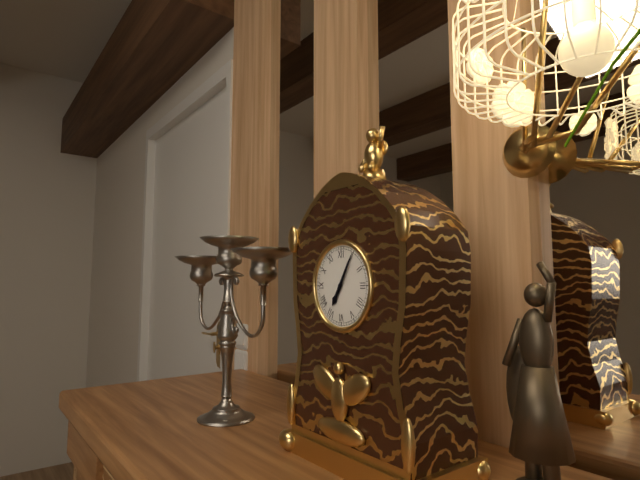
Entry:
7.05
